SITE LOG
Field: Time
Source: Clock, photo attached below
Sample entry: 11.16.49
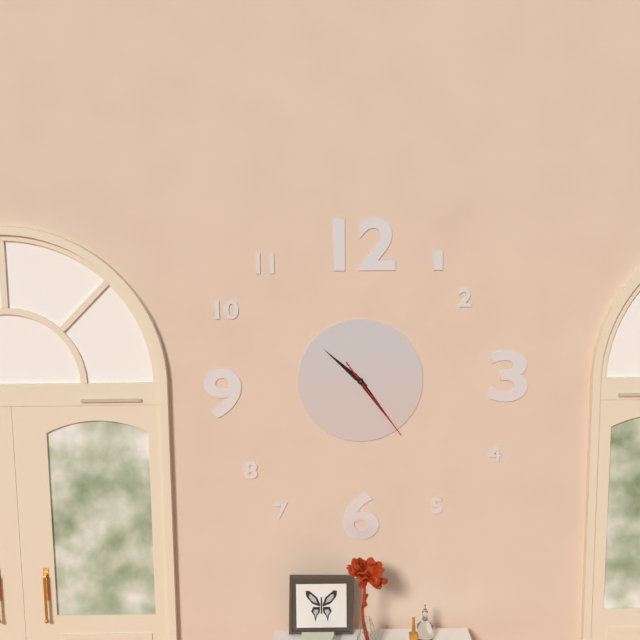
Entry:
10.24.24
